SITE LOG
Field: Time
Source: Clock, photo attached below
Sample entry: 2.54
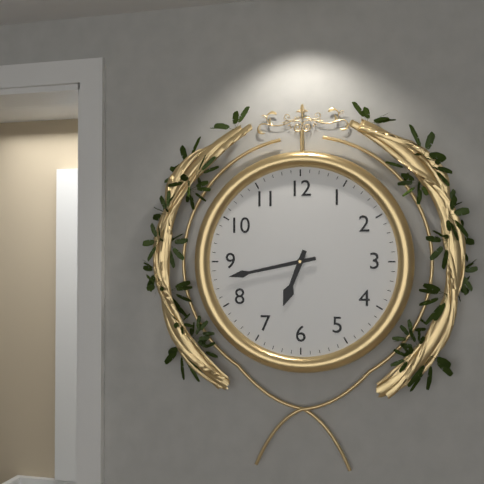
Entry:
6.43
